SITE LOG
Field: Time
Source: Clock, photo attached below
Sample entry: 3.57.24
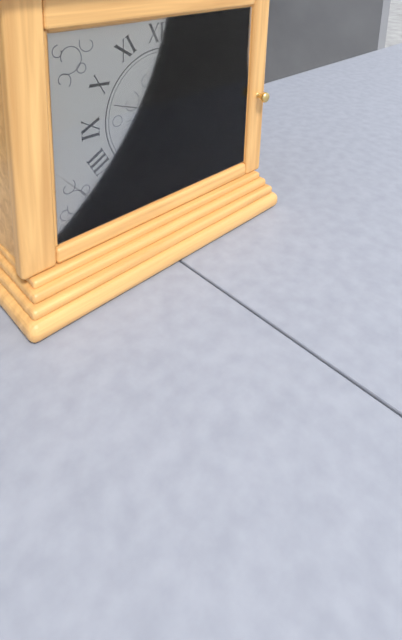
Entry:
1.01.48
